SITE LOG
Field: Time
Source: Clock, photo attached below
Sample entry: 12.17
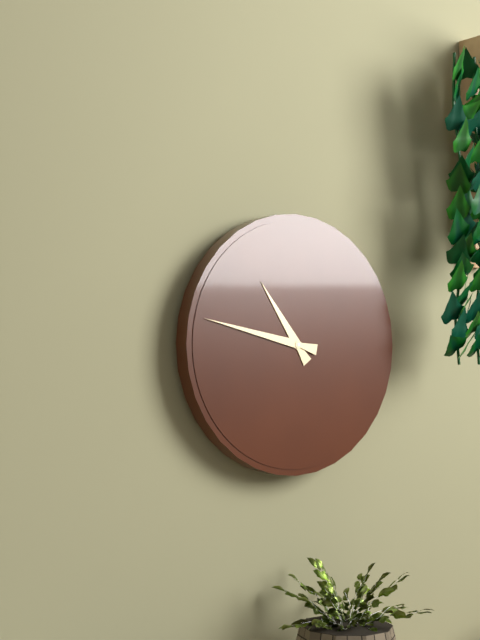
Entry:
10.47
